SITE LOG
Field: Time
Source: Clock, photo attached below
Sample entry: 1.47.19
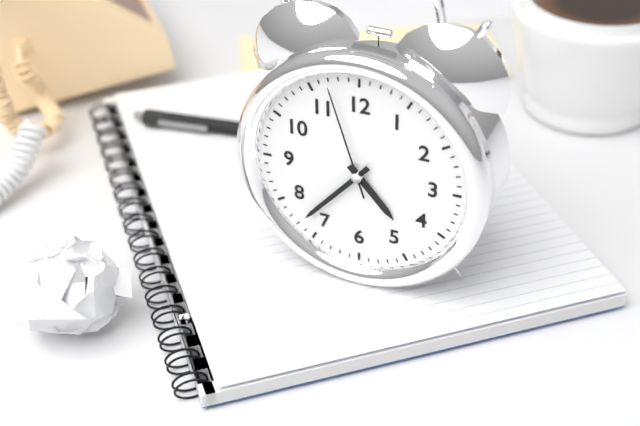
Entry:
4.37.57
